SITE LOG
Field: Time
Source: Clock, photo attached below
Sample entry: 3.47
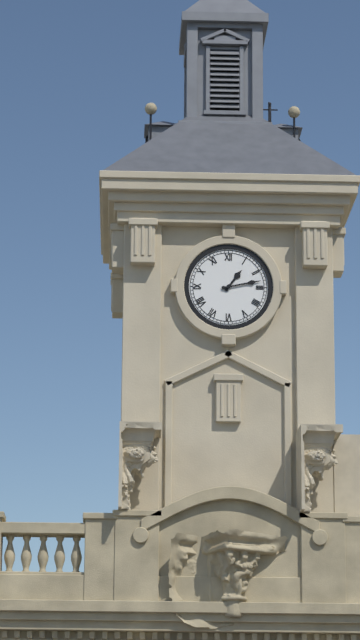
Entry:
1.13
